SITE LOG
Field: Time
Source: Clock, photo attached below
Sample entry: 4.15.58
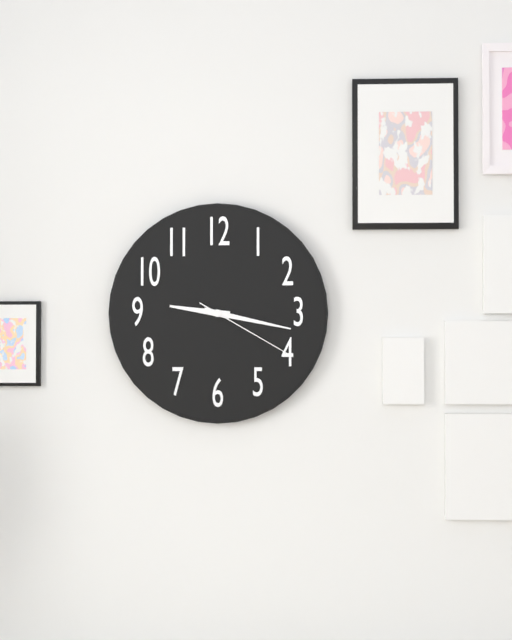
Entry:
9.17.20
